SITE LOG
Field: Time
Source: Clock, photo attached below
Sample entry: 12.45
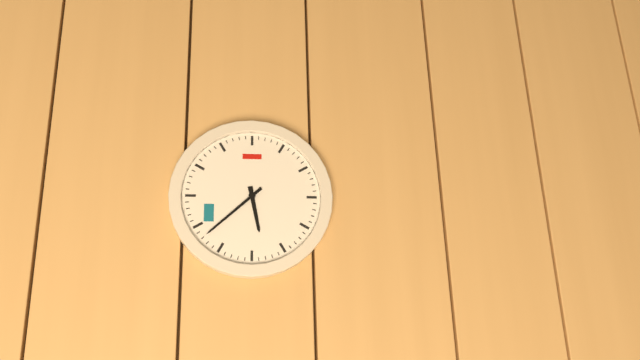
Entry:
5.38
